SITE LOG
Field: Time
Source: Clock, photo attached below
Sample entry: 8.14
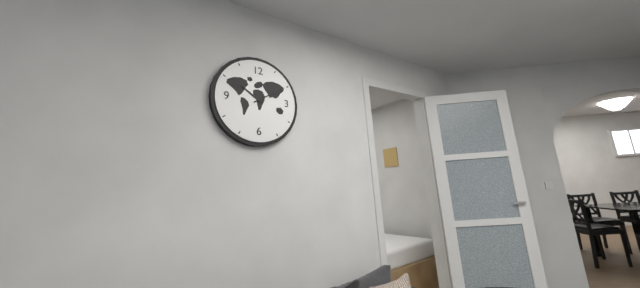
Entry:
10.10
